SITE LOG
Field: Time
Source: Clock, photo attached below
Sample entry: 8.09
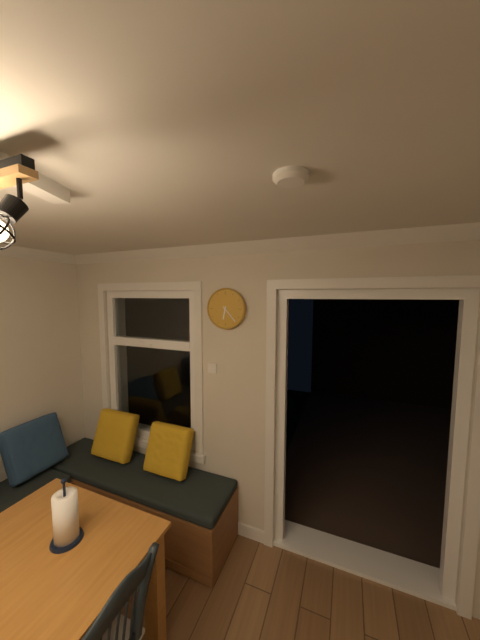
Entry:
6.23
